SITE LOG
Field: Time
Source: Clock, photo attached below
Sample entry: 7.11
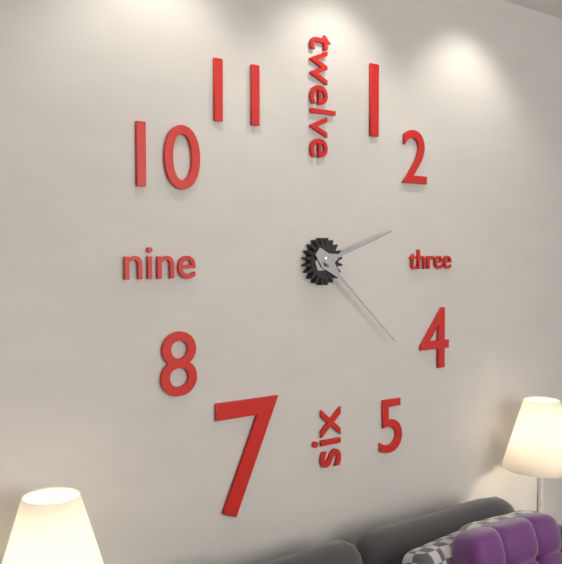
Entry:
2.22
